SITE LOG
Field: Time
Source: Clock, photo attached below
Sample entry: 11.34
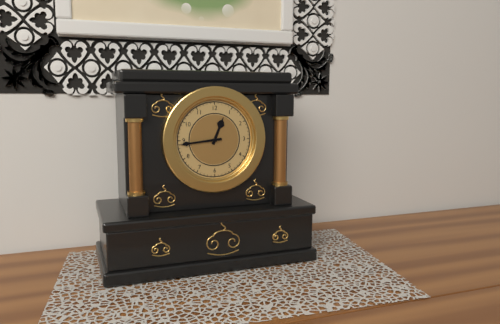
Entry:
12.44
